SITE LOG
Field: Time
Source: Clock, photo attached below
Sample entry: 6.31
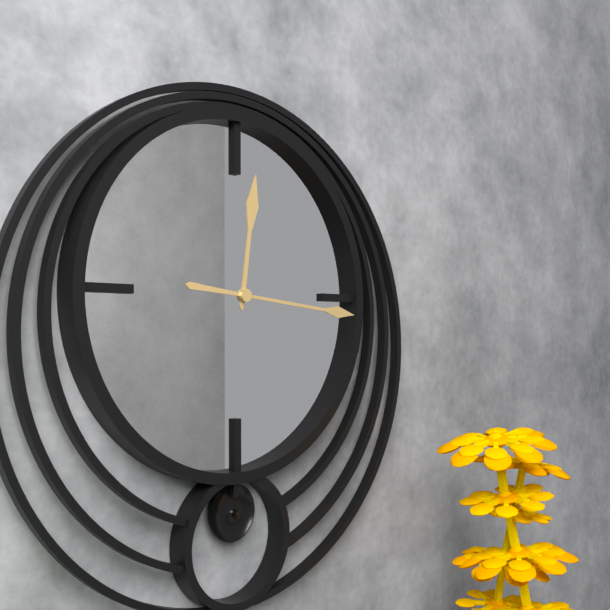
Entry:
12.16
